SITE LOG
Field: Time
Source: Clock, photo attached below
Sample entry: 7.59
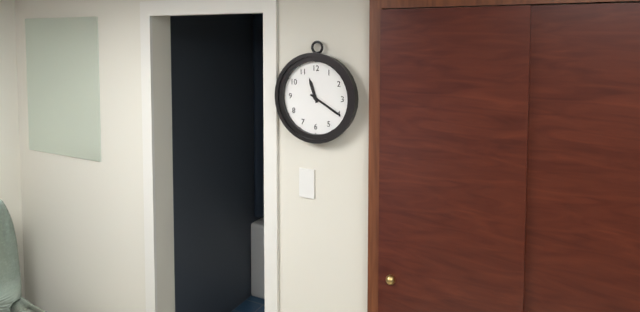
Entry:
11.20
